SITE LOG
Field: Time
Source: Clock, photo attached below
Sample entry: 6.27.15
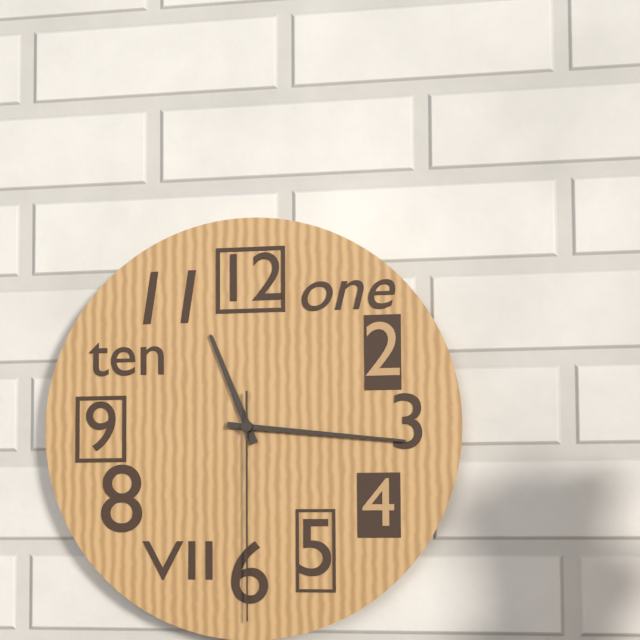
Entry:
11.16.30
